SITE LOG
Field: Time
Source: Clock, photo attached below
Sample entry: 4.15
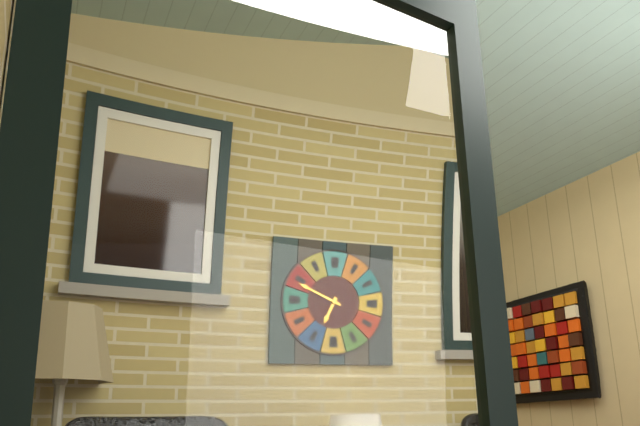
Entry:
6.49
